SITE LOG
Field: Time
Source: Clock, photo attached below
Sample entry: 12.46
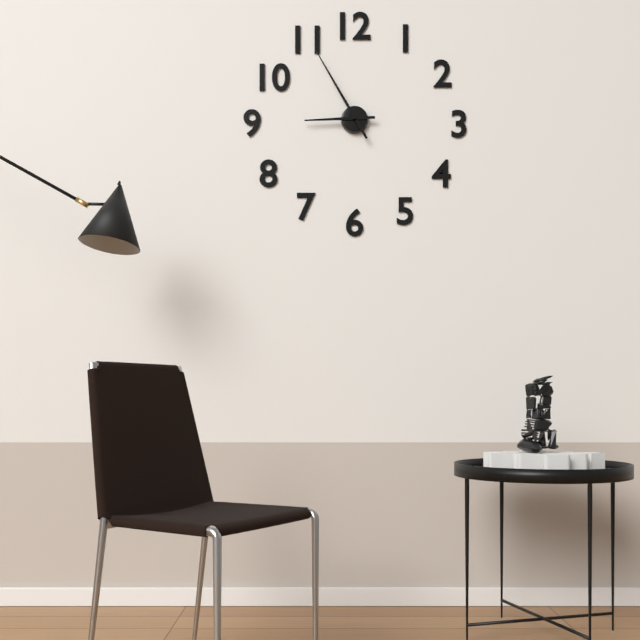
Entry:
8.55
